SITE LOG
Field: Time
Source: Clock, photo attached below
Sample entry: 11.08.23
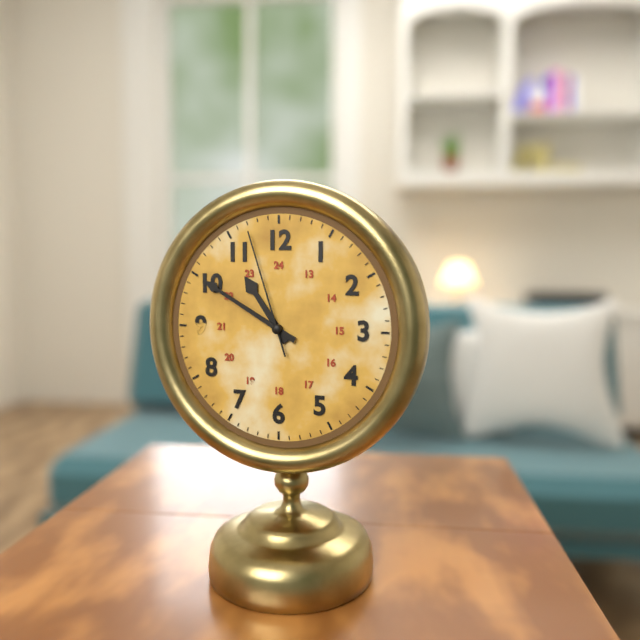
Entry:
10.50.57
